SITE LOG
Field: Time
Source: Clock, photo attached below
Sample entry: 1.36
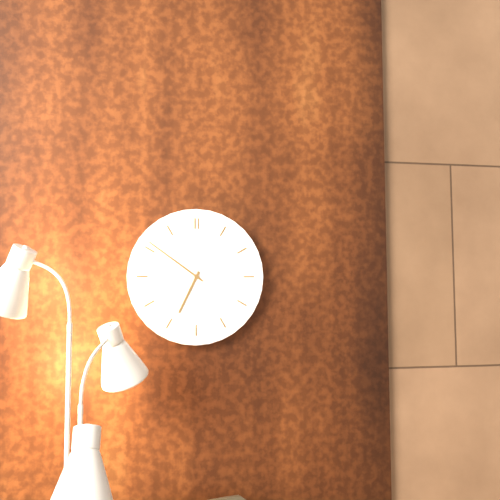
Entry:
6.51
